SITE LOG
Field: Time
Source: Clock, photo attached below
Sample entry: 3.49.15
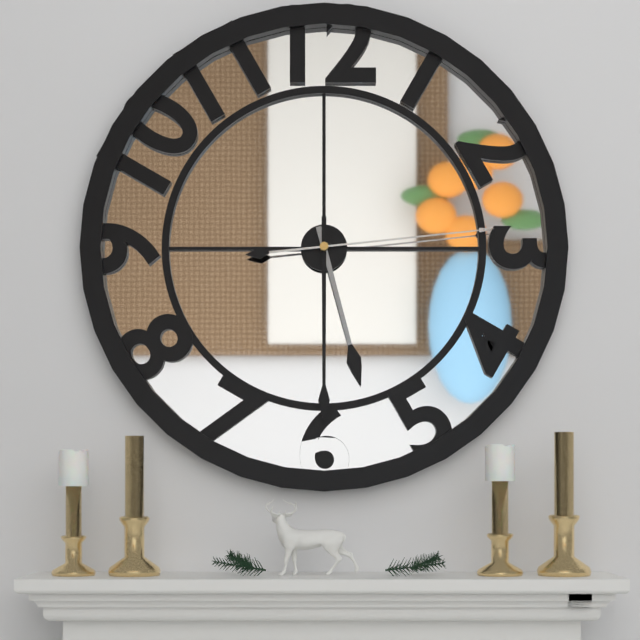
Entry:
5.30.14
